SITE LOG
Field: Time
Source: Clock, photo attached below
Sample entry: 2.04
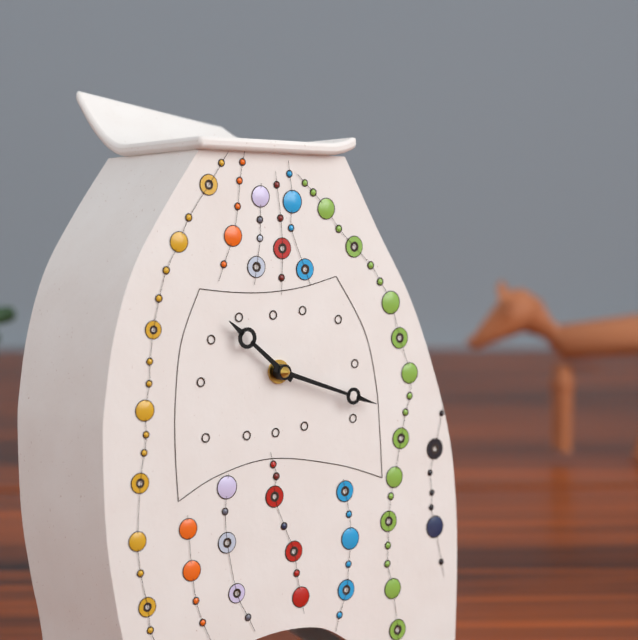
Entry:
10.18
